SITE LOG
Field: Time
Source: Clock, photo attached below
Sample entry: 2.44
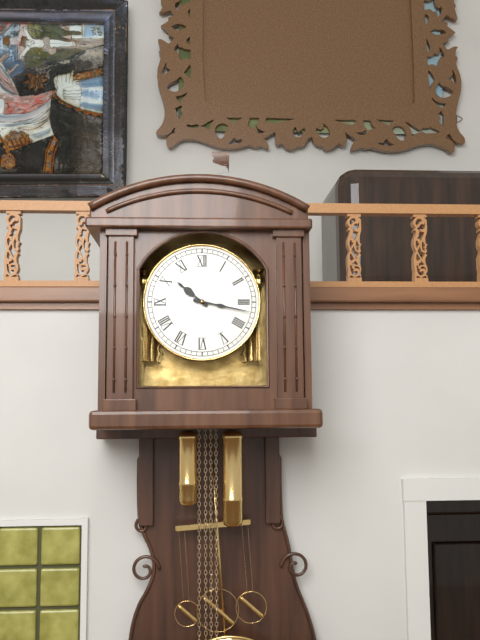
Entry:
10.17
